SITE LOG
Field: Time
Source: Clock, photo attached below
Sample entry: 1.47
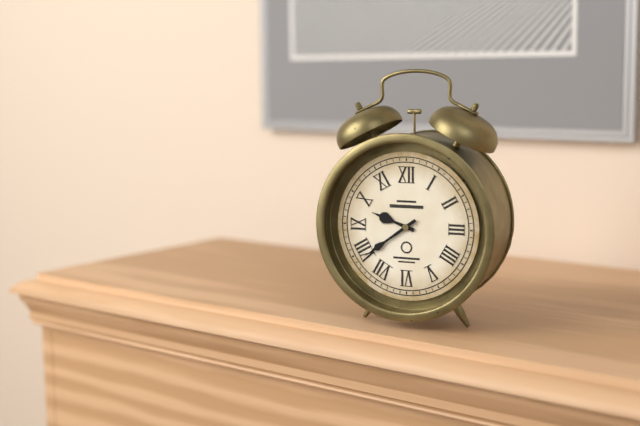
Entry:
9.39
